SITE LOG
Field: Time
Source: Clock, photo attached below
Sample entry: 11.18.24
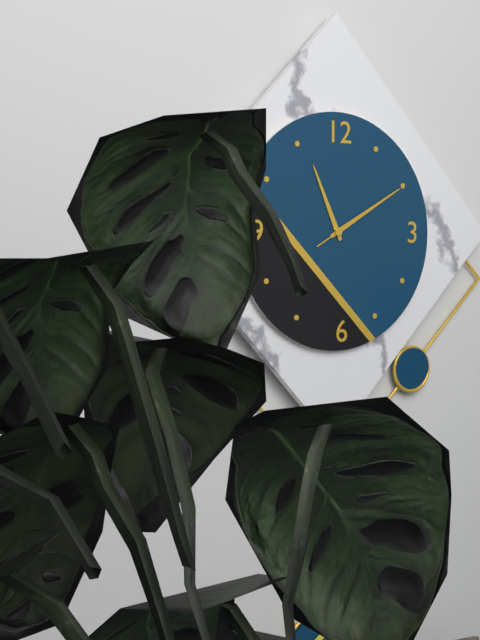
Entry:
11.10.10
